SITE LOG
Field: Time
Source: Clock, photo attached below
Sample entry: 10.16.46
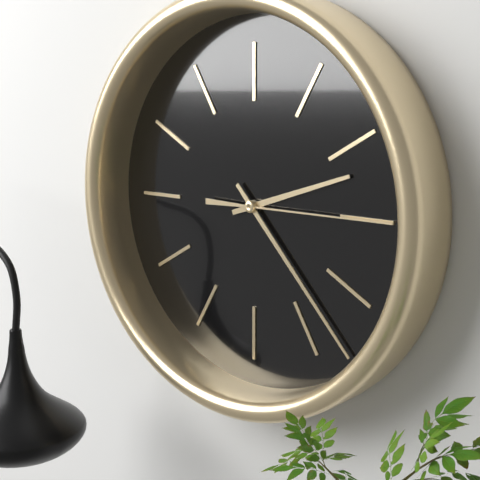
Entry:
2.23.15
